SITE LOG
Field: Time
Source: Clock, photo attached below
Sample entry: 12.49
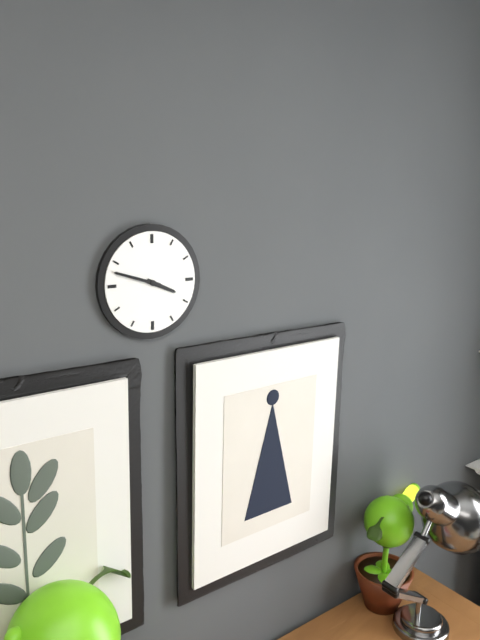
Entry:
3.48
